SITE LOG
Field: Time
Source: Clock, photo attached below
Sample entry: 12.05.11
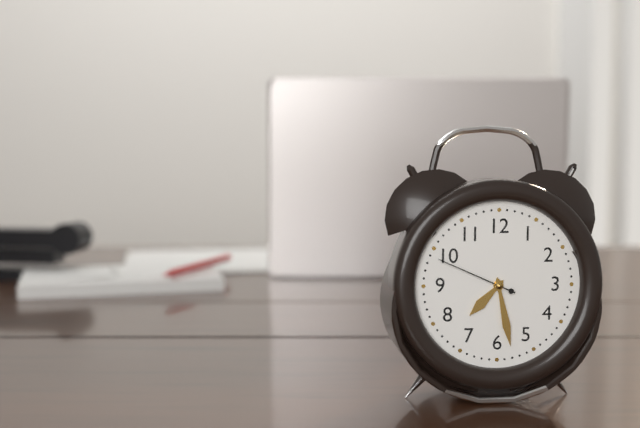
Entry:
7.28.49
